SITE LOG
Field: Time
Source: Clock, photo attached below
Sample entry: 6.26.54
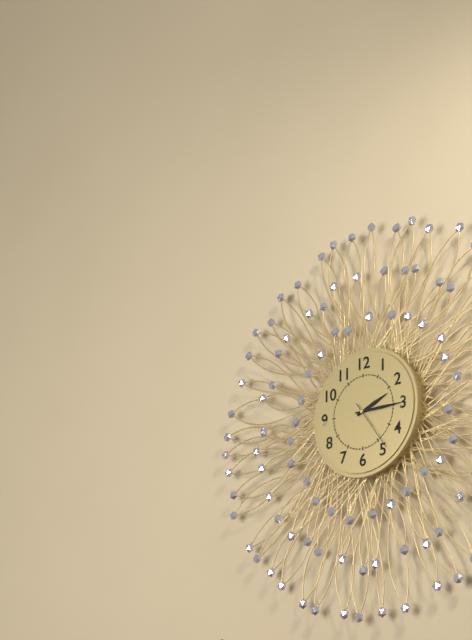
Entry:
2.15.24
